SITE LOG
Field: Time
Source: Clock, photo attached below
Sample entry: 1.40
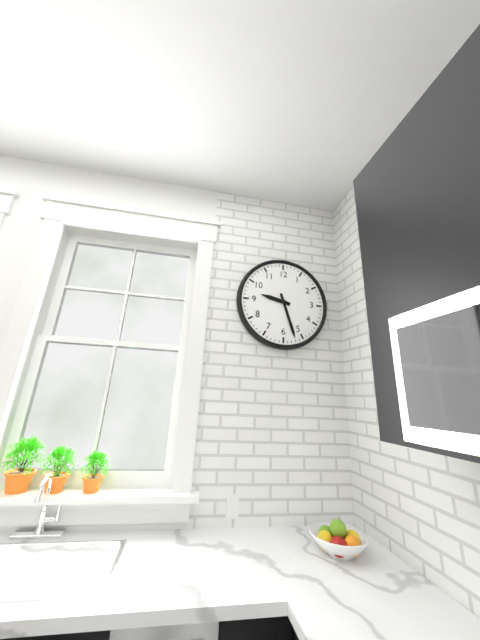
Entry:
9.27
